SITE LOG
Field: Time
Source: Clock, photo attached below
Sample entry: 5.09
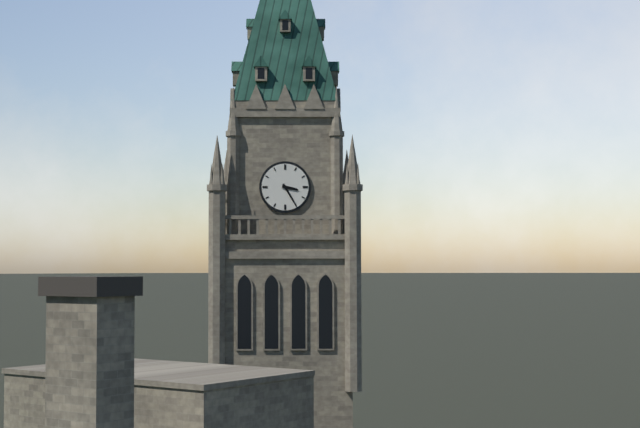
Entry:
3.25
